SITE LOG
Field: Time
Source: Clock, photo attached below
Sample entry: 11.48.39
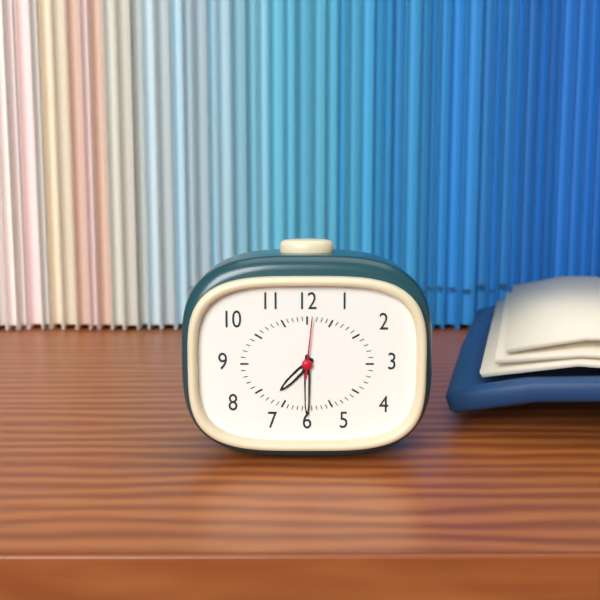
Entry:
7.30.01
